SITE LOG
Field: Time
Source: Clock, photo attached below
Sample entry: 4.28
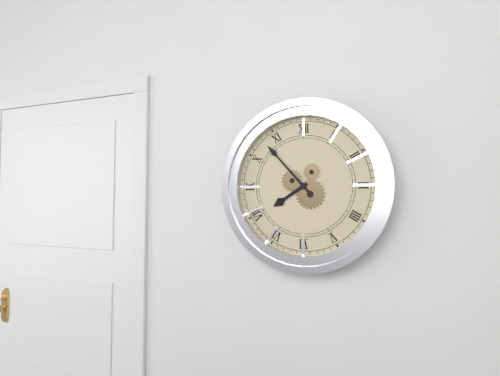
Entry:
7.53
